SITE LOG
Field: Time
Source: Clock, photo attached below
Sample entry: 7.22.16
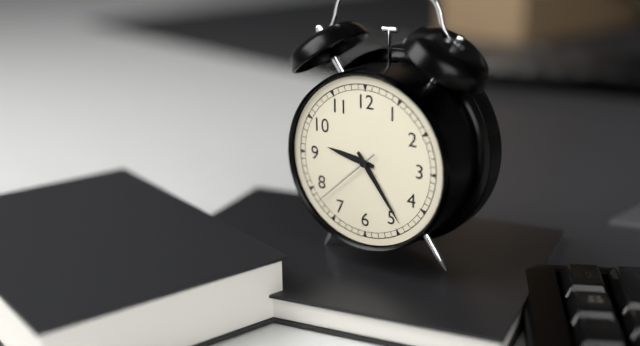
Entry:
9.24.38
